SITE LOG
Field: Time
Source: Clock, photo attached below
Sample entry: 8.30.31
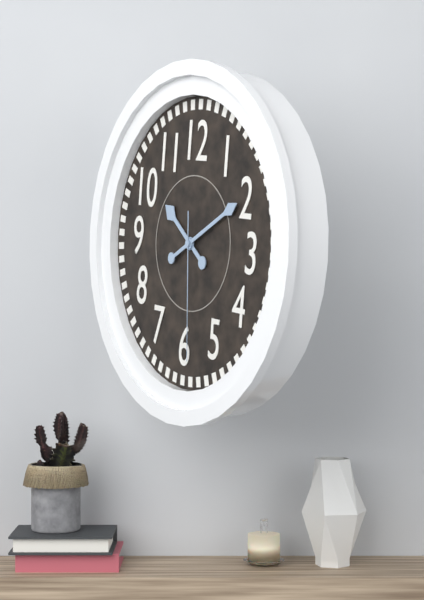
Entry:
10.10.29
